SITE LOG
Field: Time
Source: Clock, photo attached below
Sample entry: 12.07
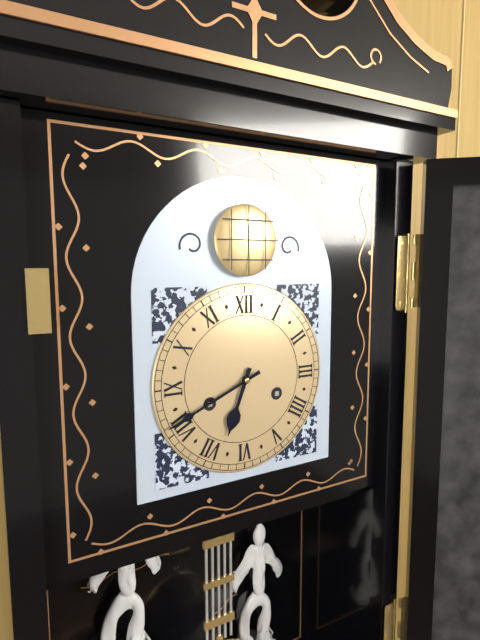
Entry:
6.41
